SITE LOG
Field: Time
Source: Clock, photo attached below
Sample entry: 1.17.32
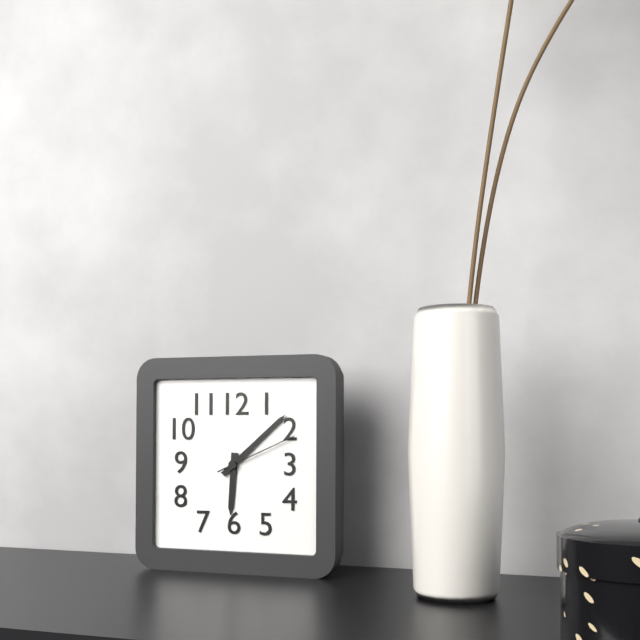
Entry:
6.08.11
